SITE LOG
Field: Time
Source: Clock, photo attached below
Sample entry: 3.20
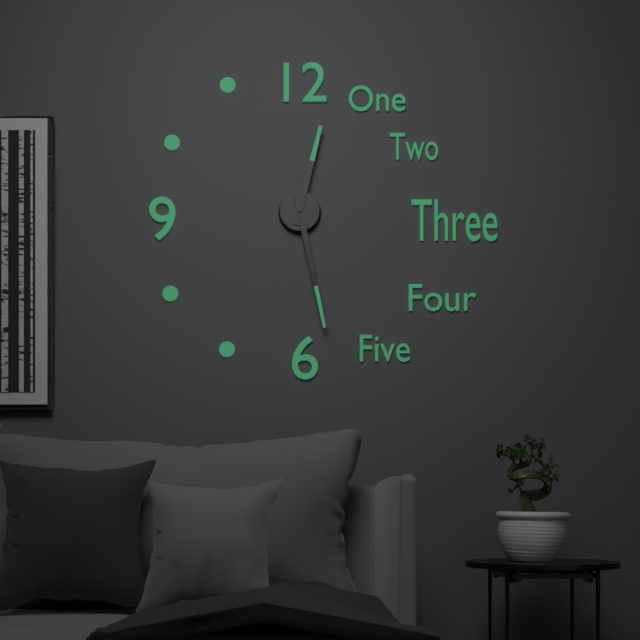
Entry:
12.28
